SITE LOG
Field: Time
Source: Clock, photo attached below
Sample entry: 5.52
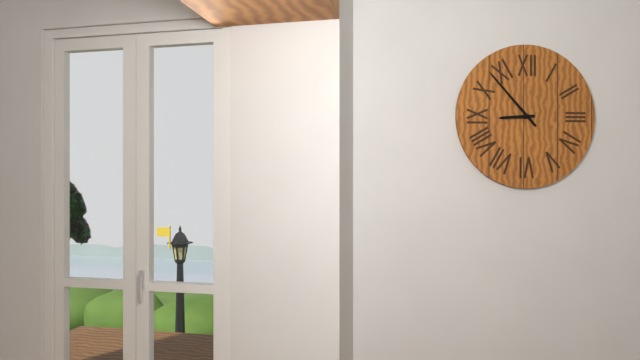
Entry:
8.53
